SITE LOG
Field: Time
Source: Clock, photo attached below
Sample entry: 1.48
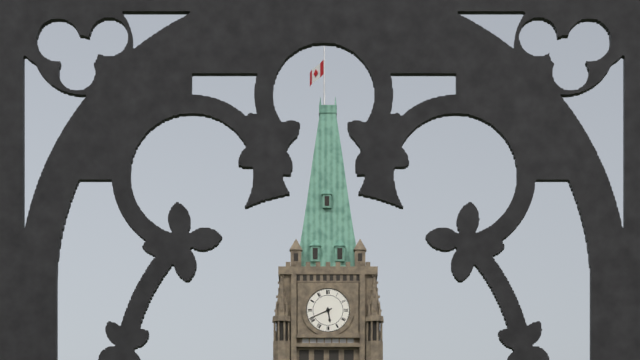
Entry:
5.41
